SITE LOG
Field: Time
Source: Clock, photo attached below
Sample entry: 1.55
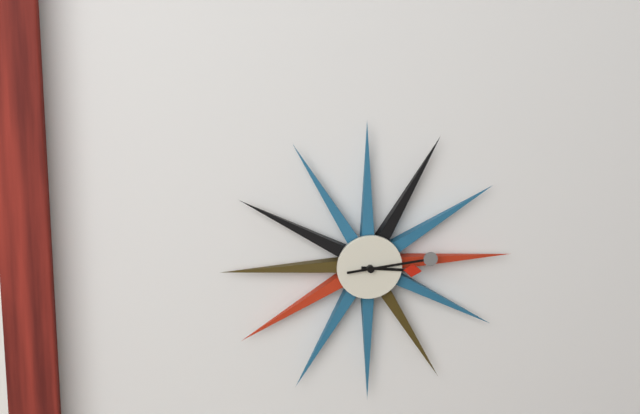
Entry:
3.14
